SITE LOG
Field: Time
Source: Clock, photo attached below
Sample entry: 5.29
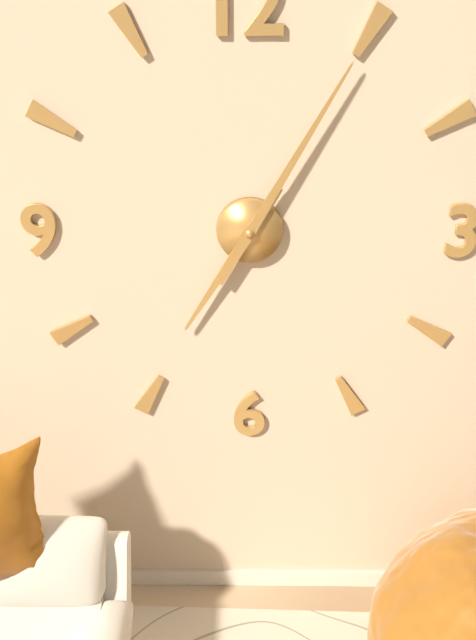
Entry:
7.05
